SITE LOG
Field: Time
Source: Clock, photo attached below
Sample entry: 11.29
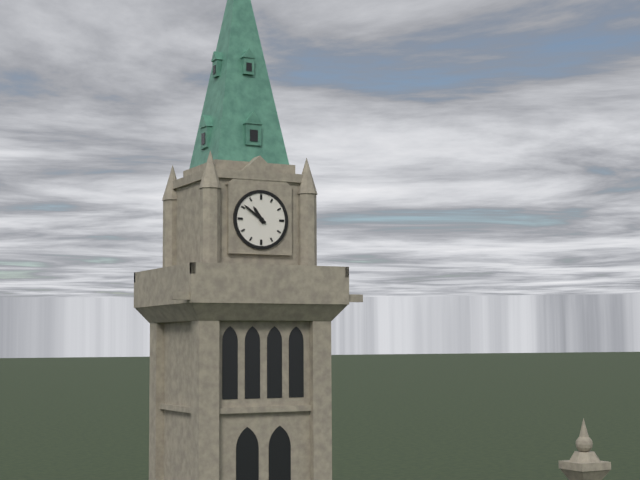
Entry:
10.51
